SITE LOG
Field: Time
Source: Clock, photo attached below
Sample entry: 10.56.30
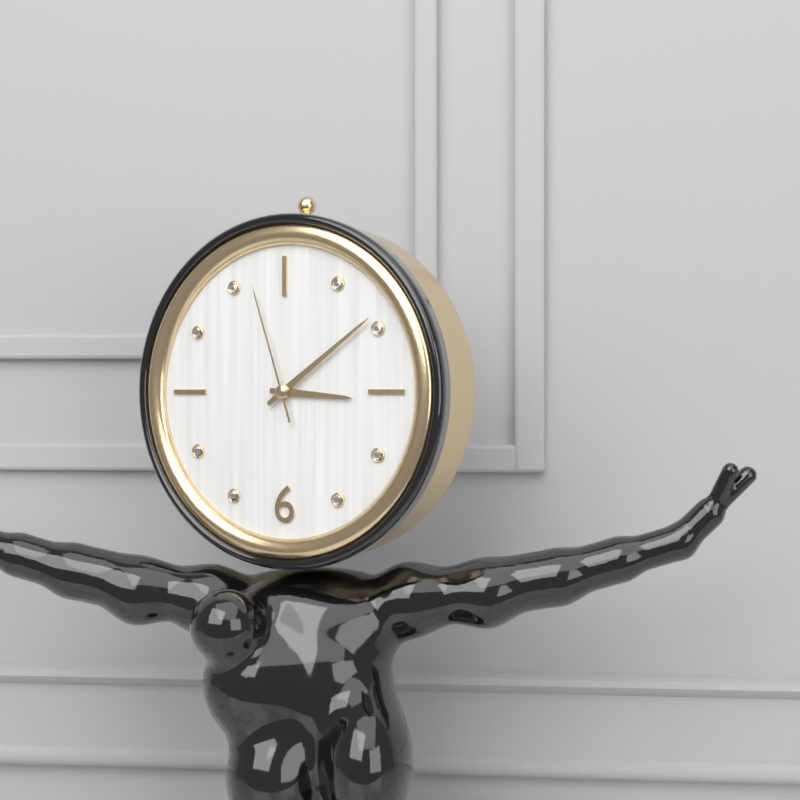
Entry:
3.09.57
